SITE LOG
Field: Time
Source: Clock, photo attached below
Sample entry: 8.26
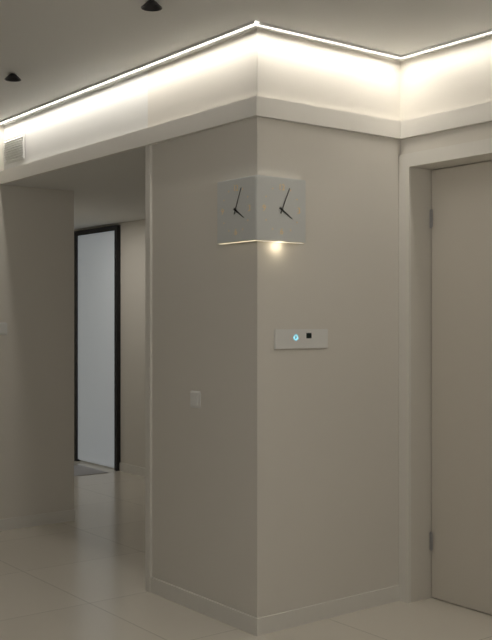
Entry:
4.04
